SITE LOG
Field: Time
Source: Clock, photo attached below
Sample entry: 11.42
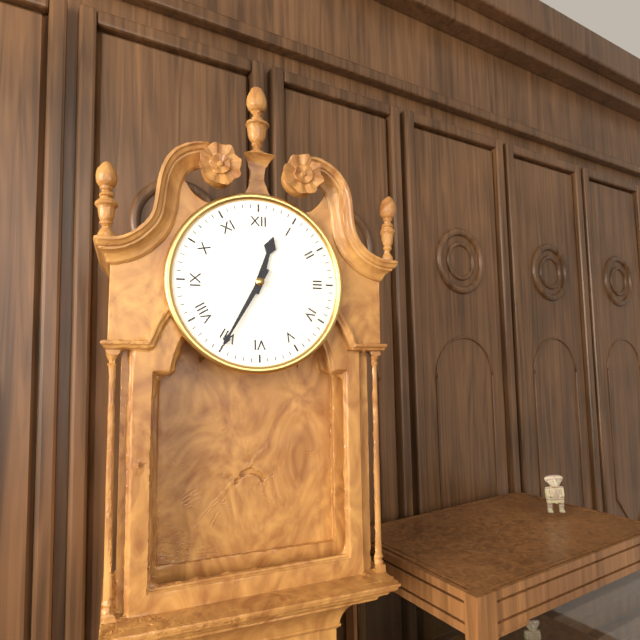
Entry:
12.35
